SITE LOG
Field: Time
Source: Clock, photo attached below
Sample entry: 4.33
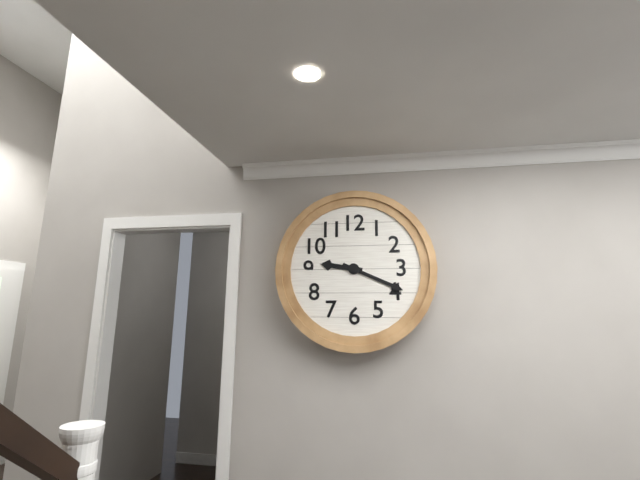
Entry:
9.19
